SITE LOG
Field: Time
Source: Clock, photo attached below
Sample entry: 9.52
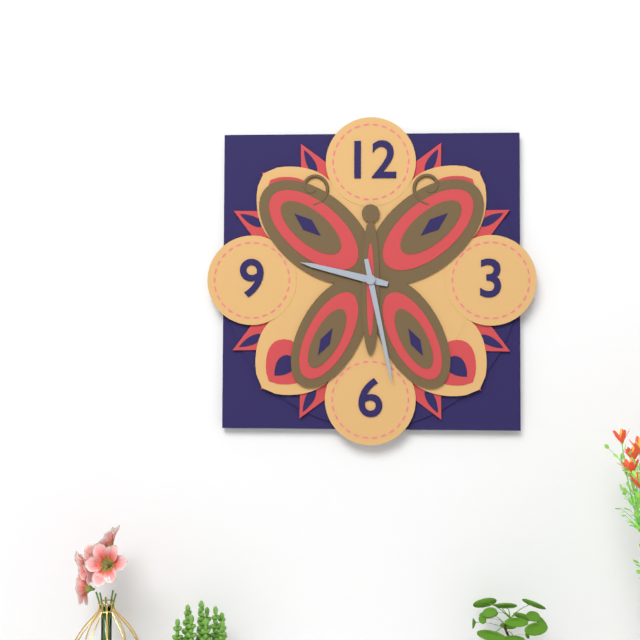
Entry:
9.28
